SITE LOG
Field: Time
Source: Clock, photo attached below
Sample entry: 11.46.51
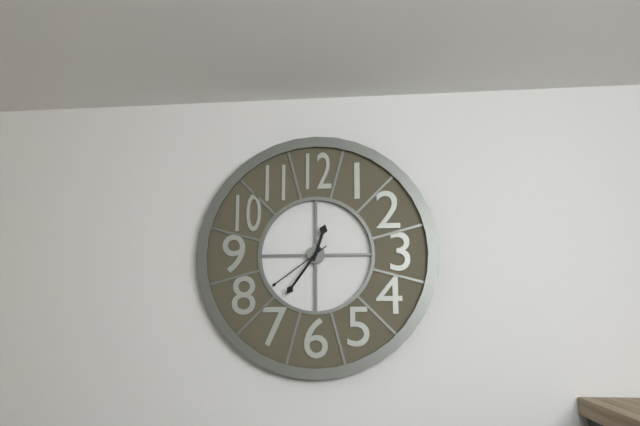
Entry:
12.36.39
